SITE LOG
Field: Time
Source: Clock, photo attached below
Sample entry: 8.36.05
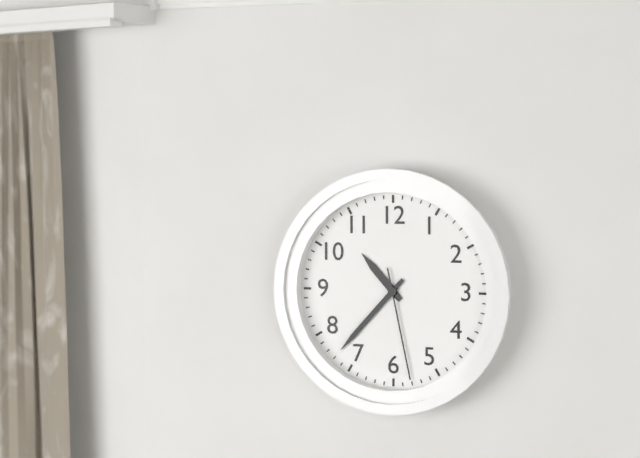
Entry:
10.37.28
